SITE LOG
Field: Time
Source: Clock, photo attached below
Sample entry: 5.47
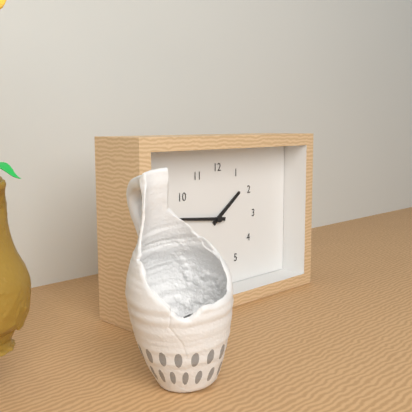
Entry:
1.46
